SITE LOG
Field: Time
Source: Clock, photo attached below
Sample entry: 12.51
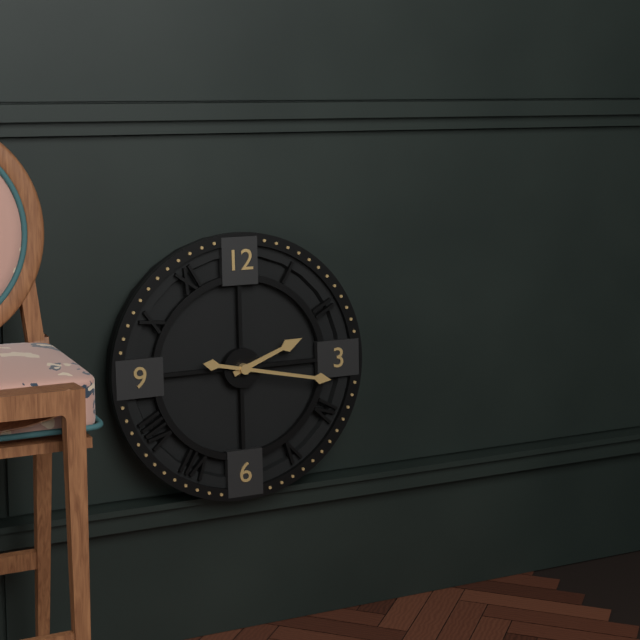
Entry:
2.17
